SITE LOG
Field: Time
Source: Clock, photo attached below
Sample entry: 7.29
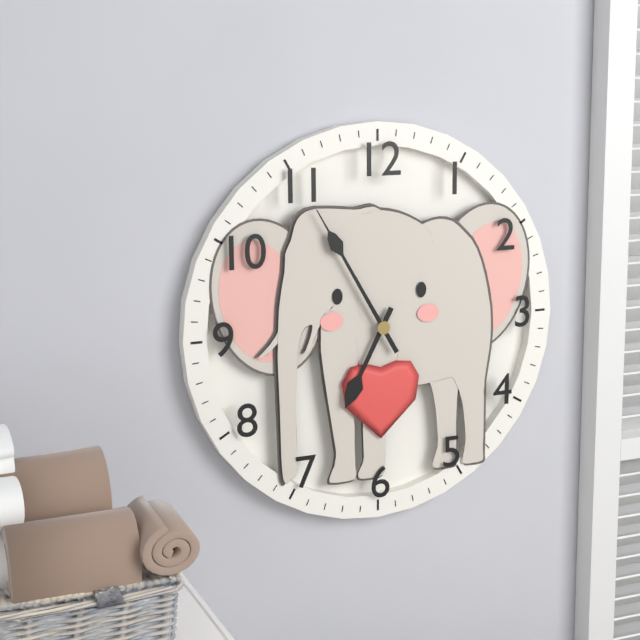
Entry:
6.55
